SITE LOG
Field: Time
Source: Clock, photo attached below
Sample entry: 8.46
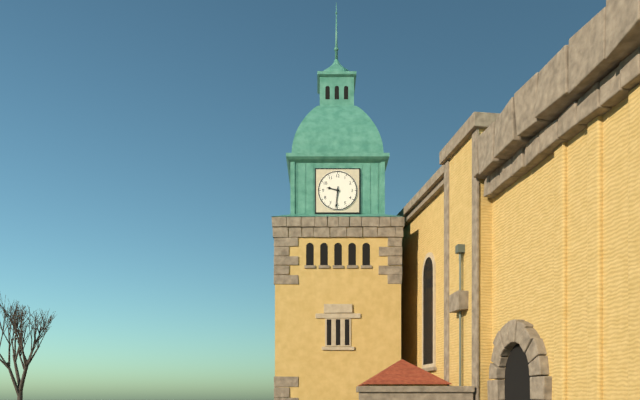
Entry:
9.31
